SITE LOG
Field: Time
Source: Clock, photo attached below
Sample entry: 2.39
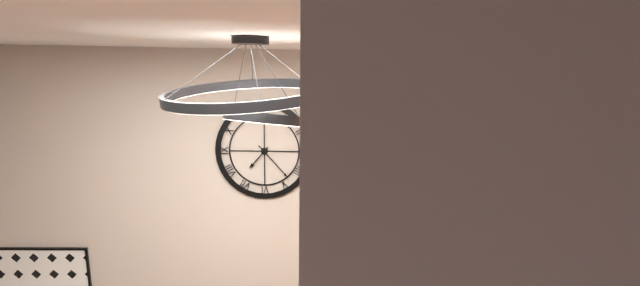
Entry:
7.23
